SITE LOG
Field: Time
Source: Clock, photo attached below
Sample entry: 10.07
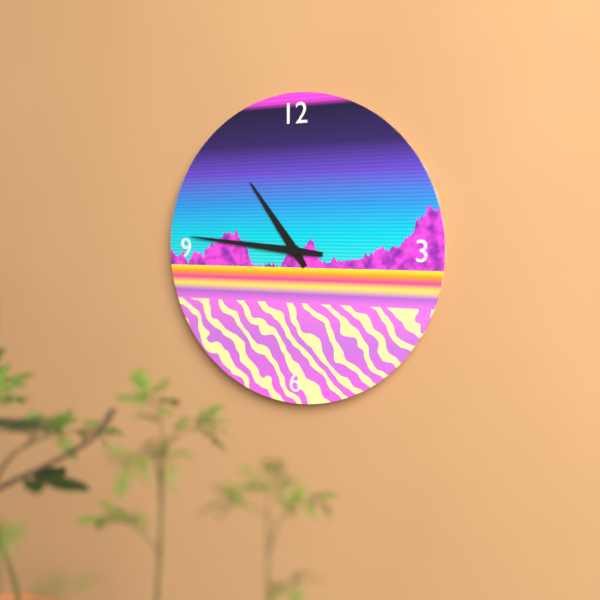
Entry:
10.46
